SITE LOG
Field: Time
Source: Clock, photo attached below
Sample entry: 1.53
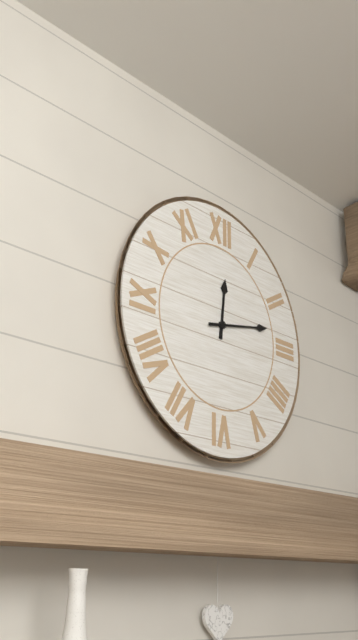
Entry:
12.13
